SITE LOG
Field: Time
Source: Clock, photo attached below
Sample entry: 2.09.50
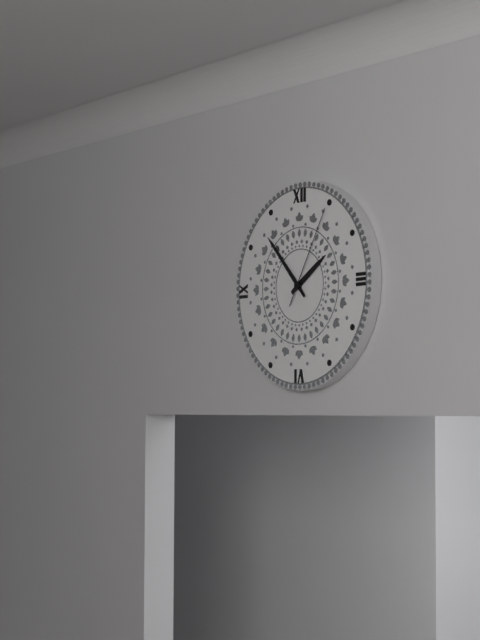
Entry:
1.53.05
